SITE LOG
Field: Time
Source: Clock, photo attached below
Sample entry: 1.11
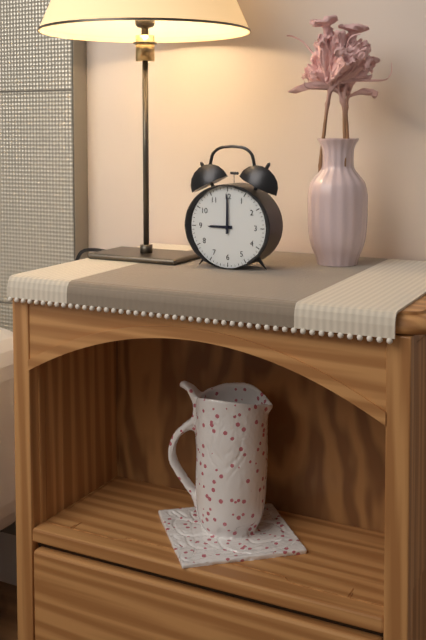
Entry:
9.00
